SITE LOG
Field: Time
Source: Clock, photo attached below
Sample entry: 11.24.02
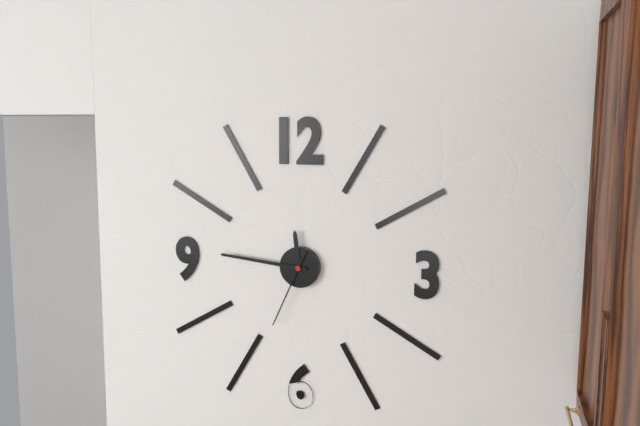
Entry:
11.46.34
